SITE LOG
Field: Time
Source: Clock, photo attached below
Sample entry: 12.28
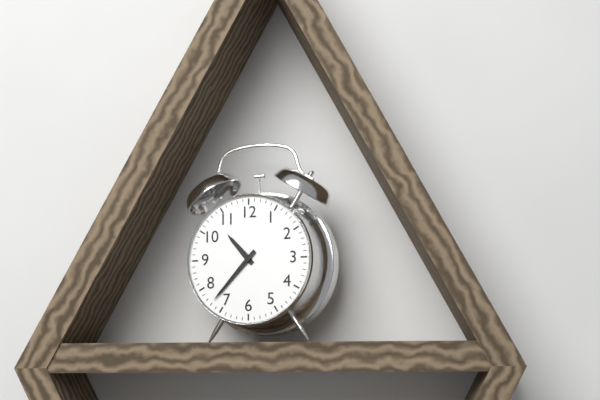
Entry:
10.37
